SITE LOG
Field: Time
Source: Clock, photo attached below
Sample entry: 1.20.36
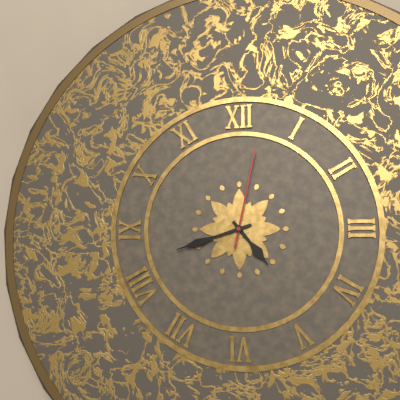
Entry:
4.42.02
